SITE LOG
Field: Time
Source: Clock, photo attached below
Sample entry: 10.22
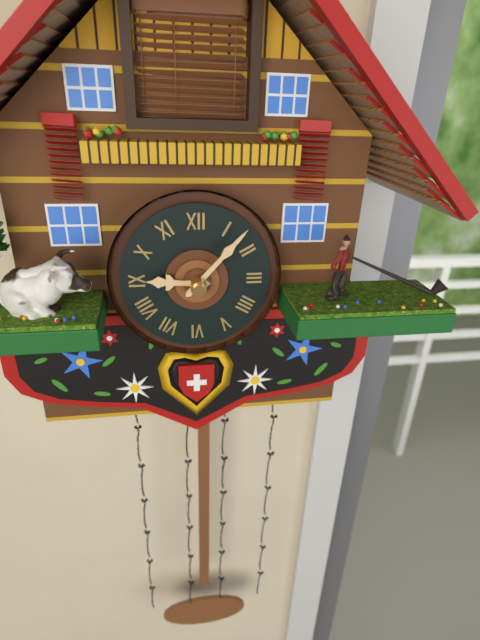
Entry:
9.07
